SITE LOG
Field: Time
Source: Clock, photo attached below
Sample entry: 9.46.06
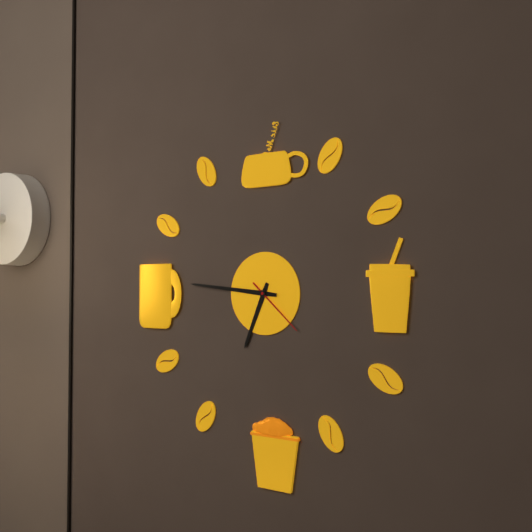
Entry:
6.46.22
